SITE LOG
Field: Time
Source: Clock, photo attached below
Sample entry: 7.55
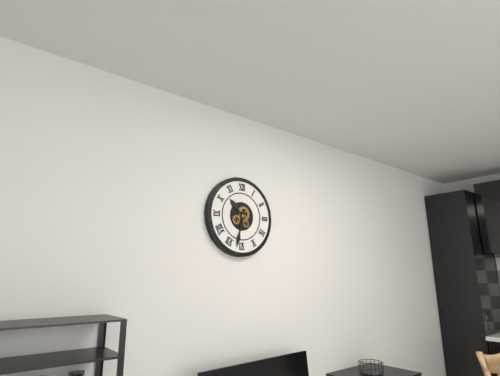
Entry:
10.32
